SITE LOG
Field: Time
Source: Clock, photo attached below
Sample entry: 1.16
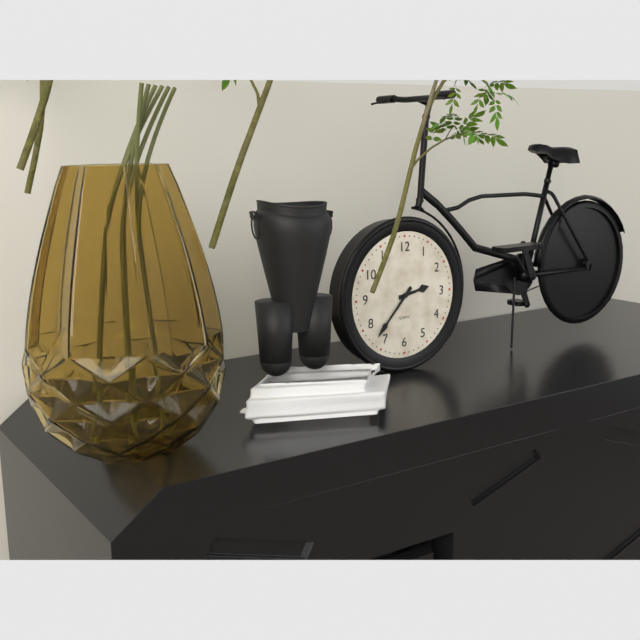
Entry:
2.37
